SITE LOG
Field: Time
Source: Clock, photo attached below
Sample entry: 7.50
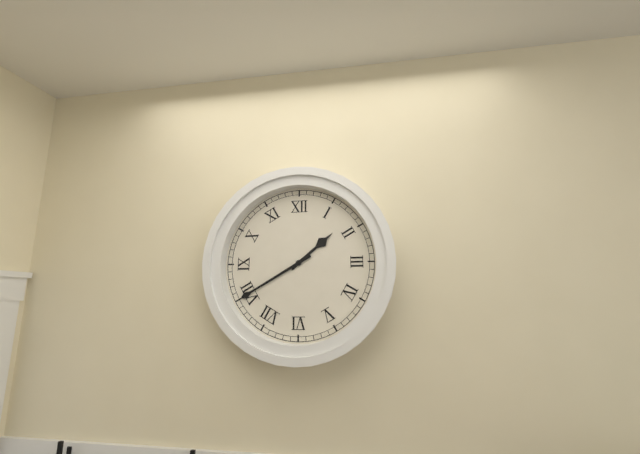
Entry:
1.40
